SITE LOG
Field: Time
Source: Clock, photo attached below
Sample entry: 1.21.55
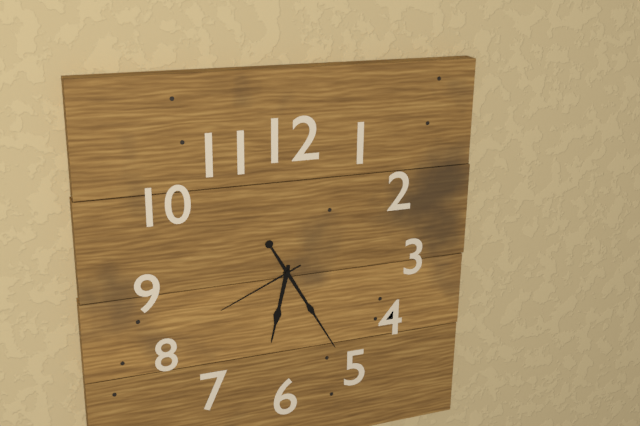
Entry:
6.25.41
